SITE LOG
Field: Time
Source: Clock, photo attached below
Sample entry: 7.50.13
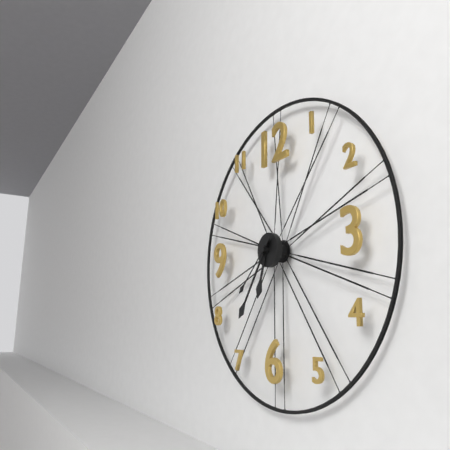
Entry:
6.36.38
